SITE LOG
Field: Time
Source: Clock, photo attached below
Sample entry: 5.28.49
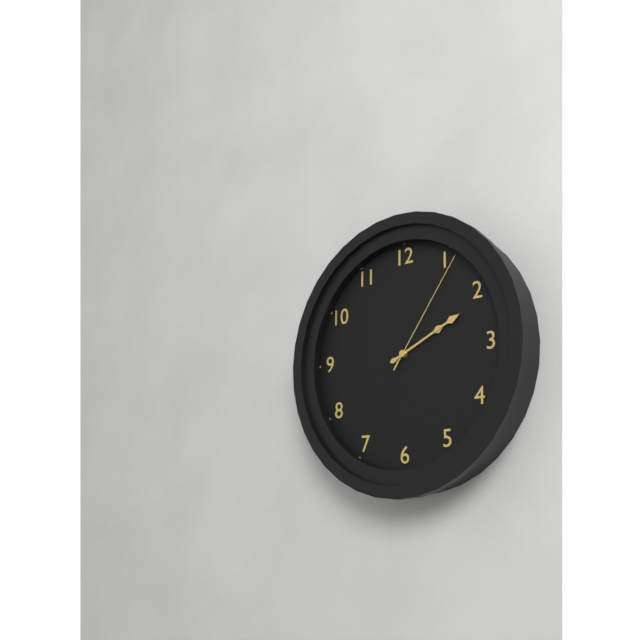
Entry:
2.11.06
